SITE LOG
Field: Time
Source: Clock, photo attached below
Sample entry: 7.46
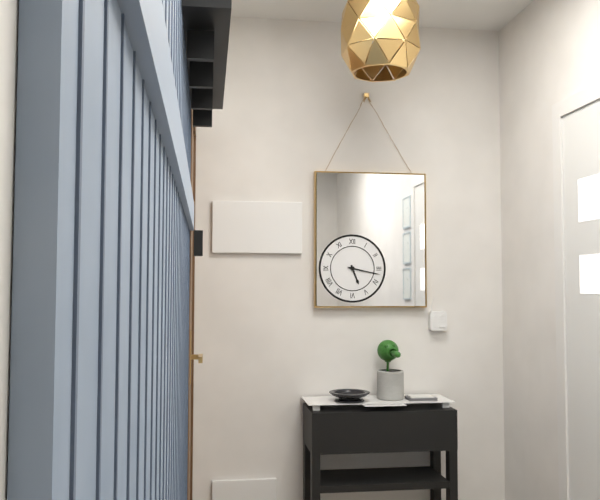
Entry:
5.17
